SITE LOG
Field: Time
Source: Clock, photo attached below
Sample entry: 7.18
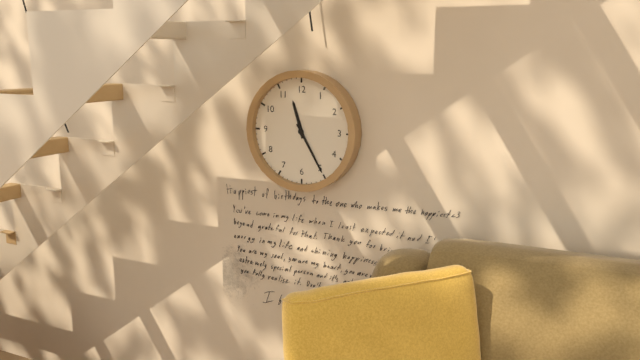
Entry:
11.25
